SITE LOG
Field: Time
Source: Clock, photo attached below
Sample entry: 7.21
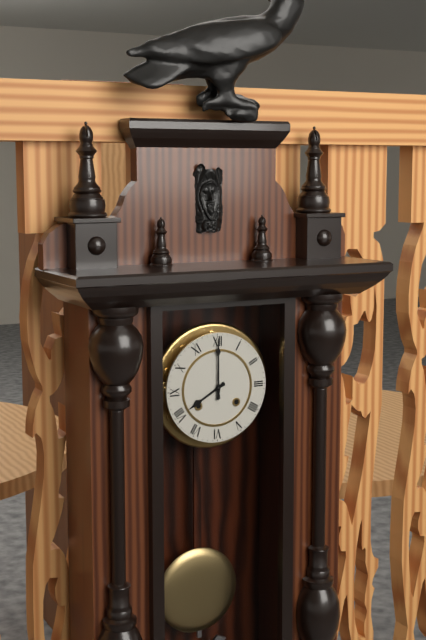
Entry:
8.00
